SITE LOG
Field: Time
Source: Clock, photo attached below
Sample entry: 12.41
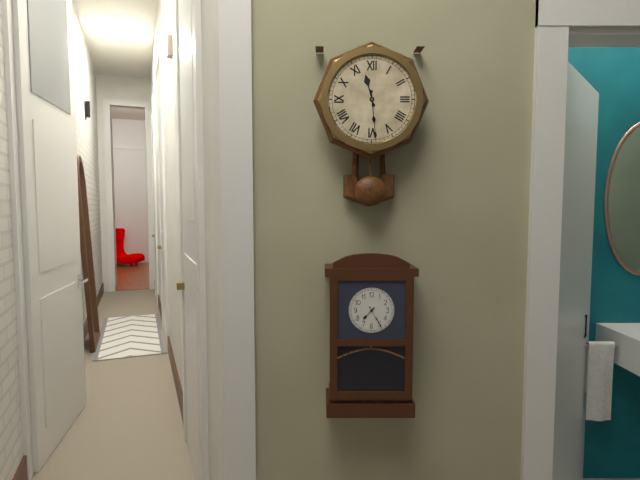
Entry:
11.29
